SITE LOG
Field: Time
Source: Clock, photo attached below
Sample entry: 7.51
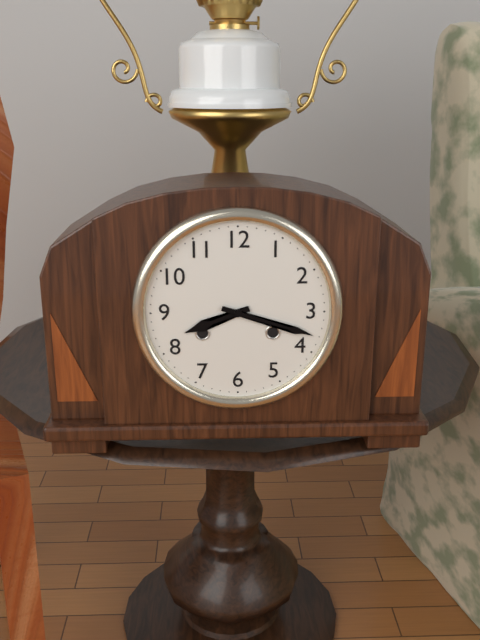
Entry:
8.18
